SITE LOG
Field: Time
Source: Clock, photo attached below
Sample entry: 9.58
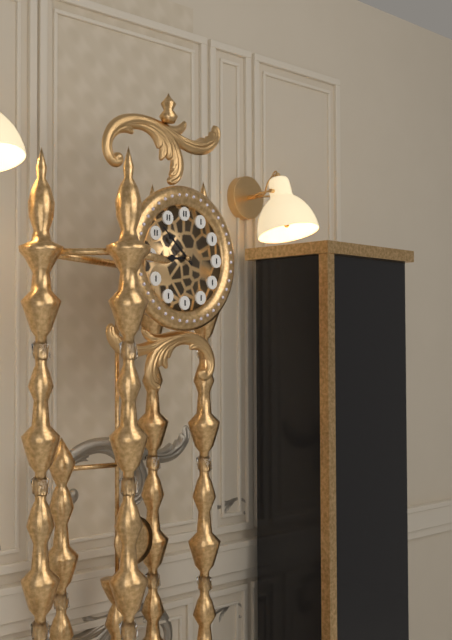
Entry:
8.52
